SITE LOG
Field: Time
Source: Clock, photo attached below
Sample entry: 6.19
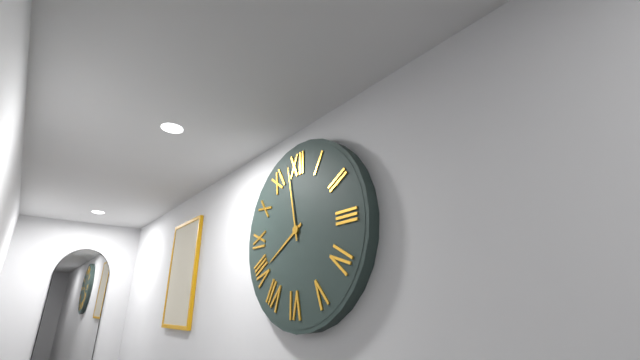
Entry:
7.58
